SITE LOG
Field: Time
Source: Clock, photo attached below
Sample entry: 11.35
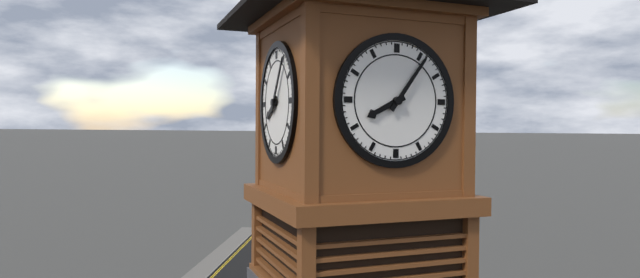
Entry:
8.06
